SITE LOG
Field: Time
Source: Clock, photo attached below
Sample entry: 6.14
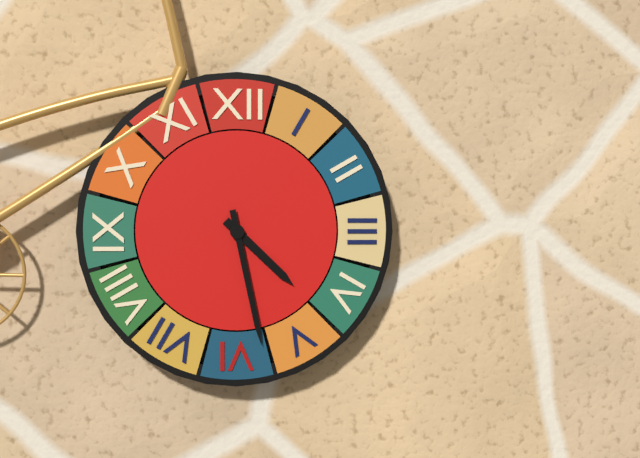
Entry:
4.28
